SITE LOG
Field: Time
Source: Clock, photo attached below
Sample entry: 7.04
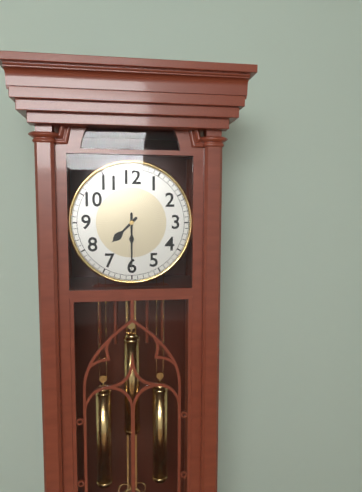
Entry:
7.30
